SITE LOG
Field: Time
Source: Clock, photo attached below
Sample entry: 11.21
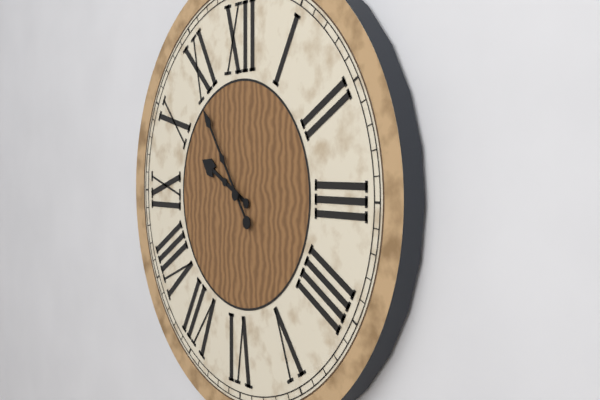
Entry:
9.54
